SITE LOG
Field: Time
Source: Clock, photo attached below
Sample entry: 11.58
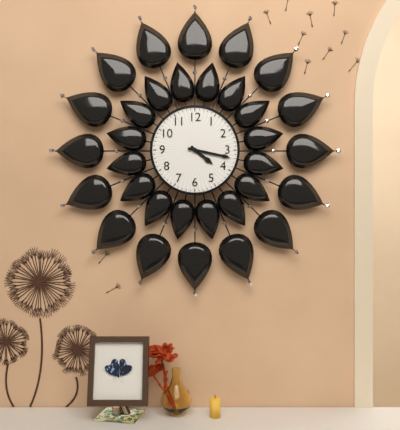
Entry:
4.17
